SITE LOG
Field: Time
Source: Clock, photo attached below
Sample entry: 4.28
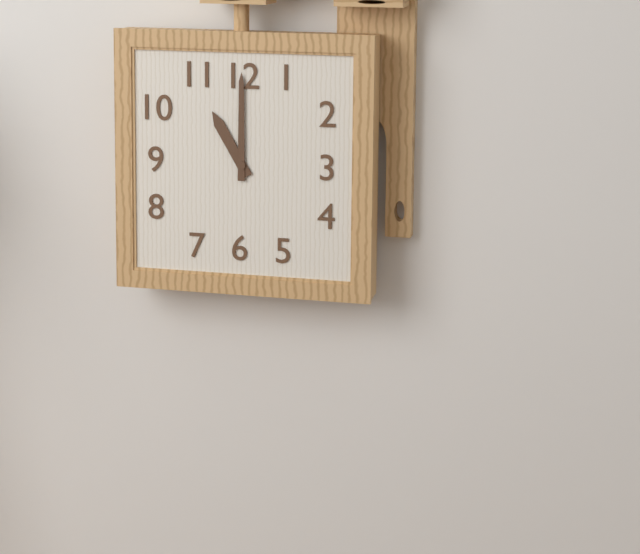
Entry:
11.00
